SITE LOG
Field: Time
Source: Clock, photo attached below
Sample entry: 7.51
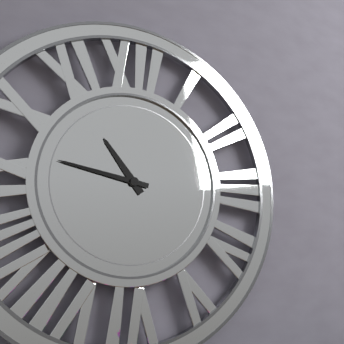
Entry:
10.47
